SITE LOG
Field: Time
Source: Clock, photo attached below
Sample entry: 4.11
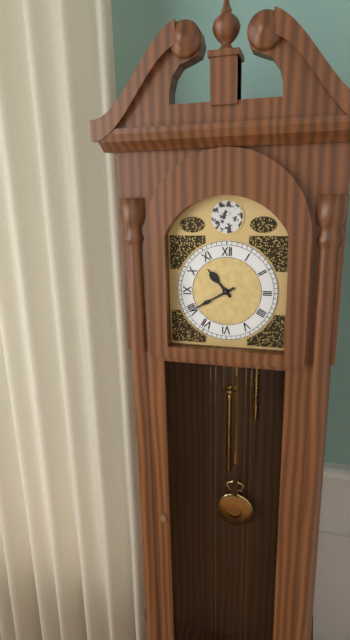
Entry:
10.40
